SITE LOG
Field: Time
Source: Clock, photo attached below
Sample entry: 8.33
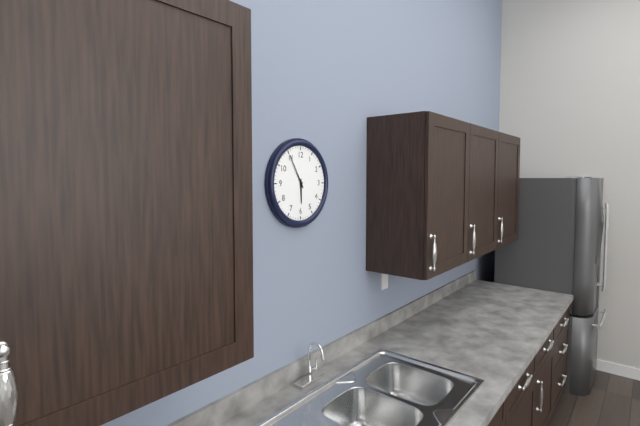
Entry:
5.55
